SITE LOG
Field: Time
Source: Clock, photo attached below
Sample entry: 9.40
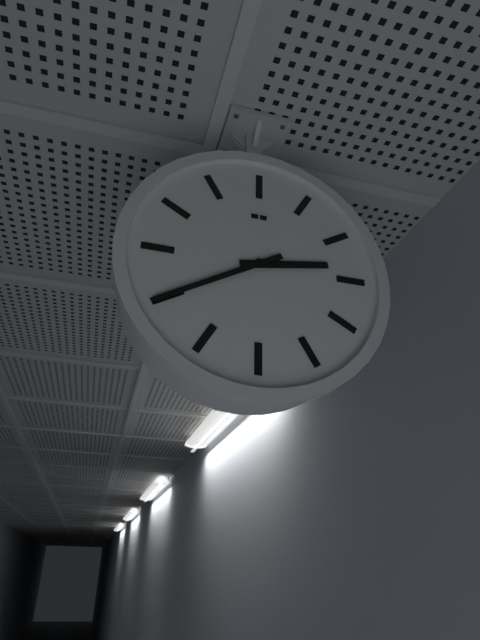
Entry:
2.40
